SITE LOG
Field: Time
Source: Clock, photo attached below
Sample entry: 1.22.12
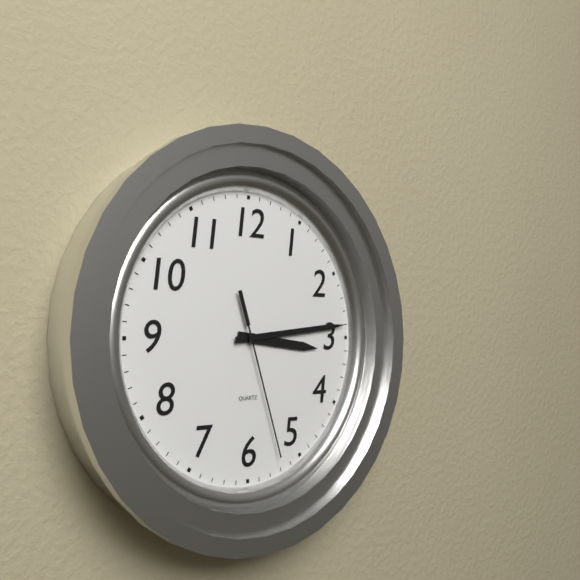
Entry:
3.14.27
